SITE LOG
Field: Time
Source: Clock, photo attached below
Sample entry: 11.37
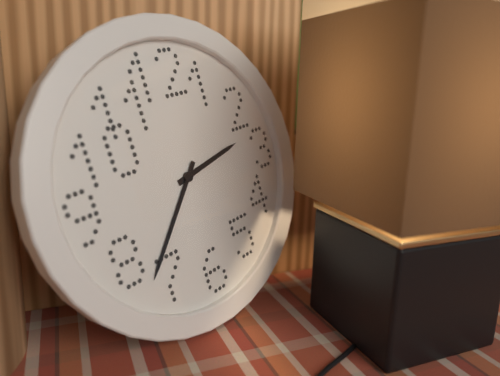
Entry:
2.37
